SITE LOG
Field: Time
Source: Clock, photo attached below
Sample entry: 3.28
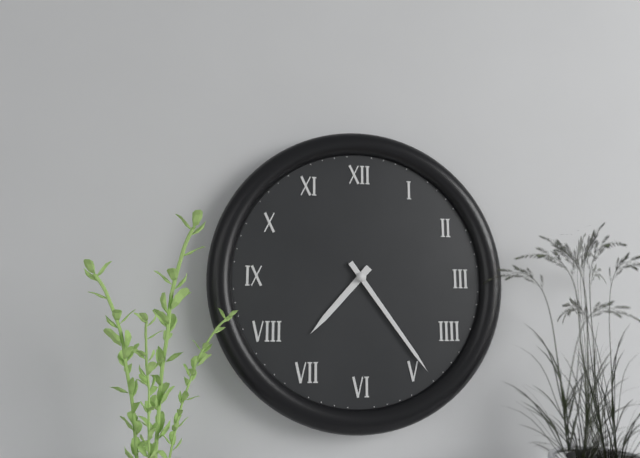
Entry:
7.24
